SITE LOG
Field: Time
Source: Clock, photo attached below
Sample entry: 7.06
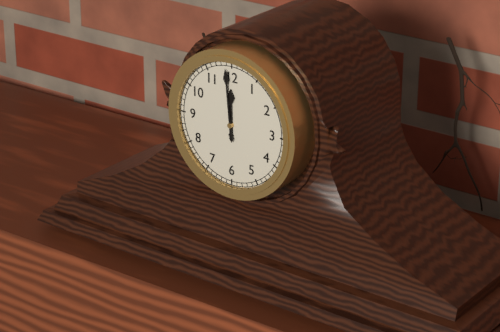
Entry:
11.59
